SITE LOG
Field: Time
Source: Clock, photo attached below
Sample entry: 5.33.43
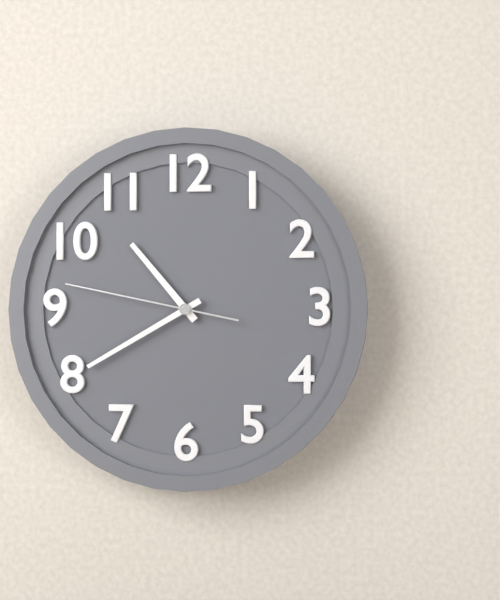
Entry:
10.40.47
